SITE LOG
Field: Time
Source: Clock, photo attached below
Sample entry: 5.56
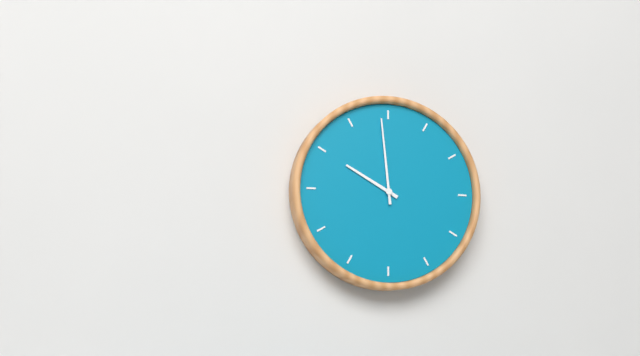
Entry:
9.59
